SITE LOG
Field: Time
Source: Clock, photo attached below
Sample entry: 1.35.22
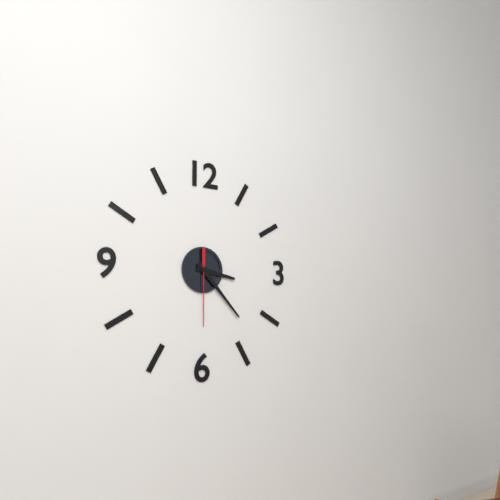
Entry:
3.23.30
